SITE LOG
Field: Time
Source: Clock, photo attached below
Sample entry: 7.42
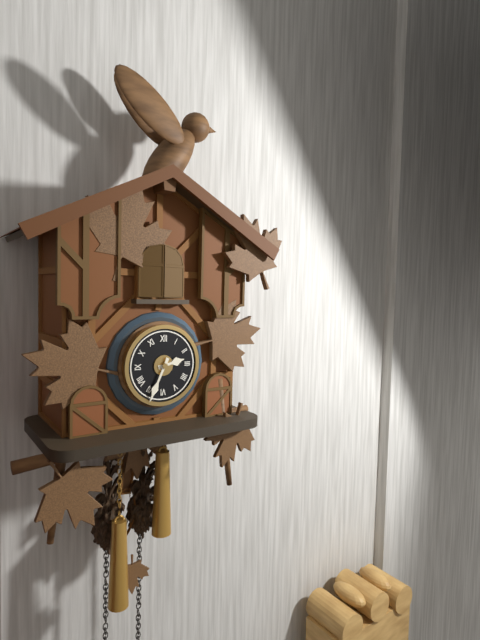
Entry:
2.34
